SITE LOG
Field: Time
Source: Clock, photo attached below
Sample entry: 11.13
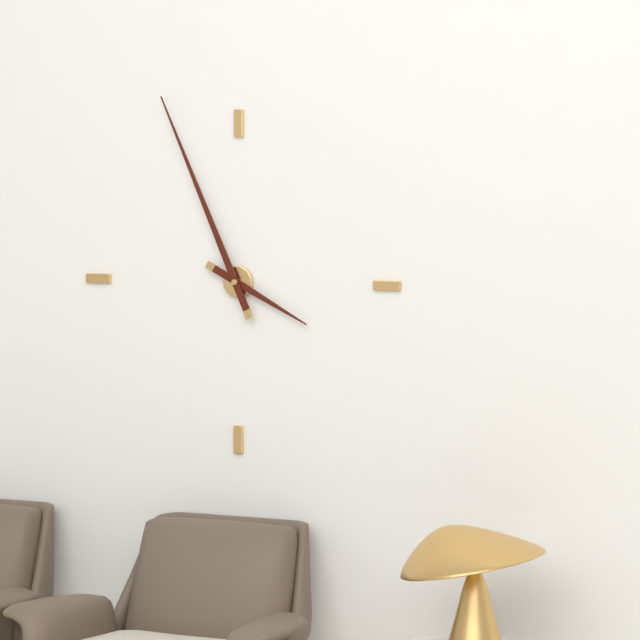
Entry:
3.56
